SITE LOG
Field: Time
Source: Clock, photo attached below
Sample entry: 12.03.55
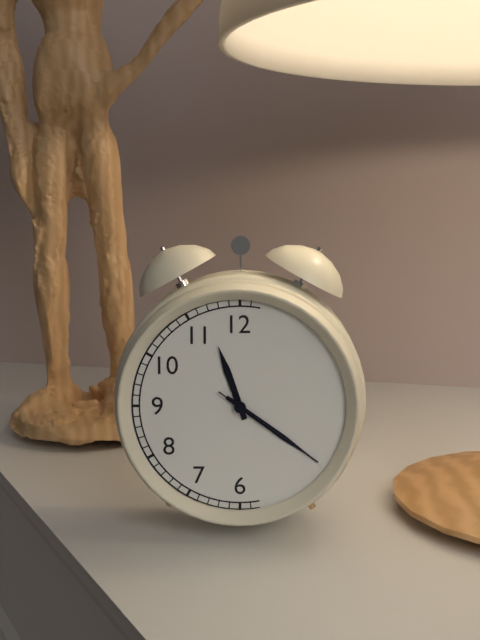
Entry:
11.21.21
